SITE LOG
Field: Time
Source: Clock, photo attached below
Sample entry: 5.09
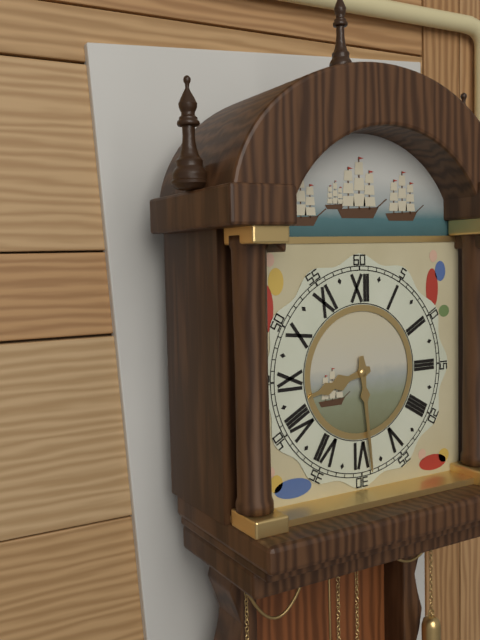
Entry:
8.29
